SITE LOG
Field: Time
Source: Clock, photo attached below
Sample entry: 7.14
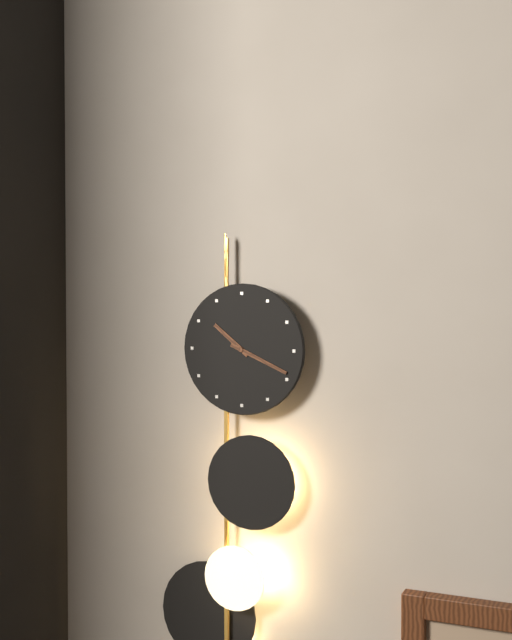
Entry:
10.19
